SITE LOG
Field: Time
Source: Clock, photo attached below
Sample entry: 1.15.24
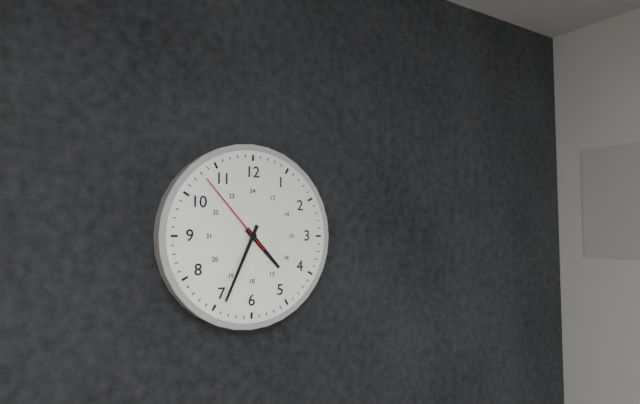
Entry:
4.34.53
